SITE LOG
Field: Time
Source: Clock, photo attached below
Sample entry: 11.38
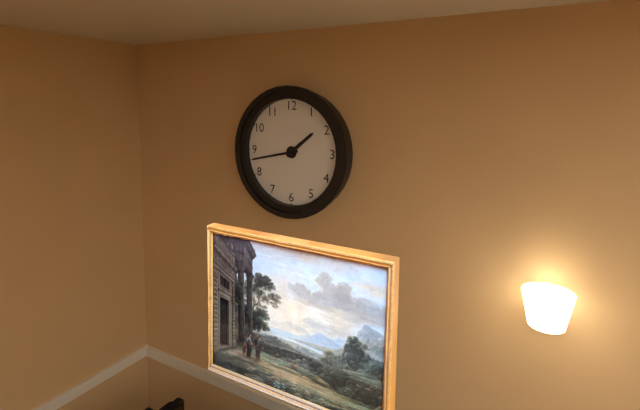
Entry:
1.43
